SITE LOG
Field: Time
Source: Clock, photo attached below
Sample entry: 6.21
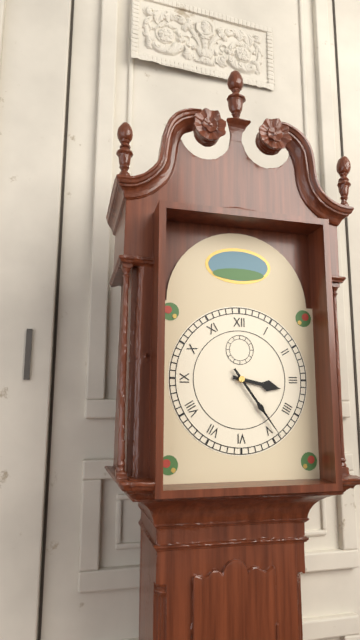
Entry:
3.24
